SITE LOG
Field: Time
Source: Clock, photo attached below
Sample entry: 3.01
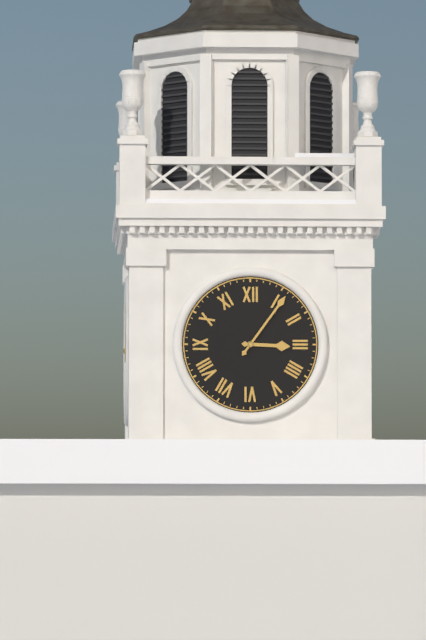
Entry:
3.06
